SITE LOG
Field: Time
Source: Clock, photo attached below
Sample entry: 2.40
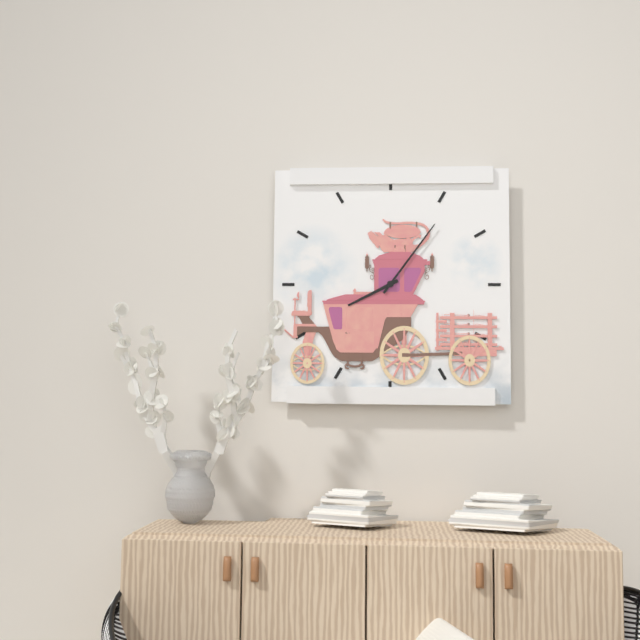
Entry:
8.06
